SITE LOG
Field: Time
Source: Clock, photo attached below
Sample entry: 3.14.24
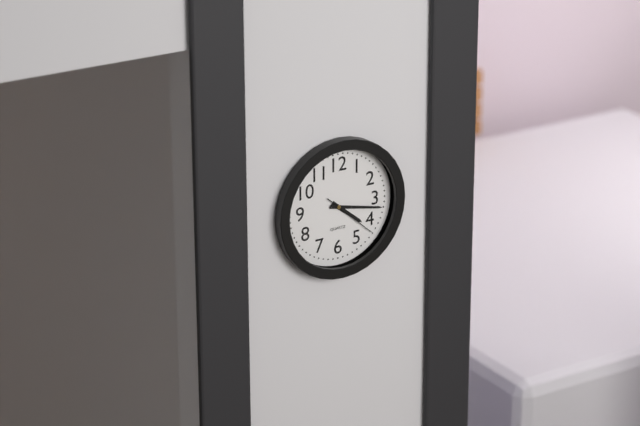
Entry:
4.17.22
